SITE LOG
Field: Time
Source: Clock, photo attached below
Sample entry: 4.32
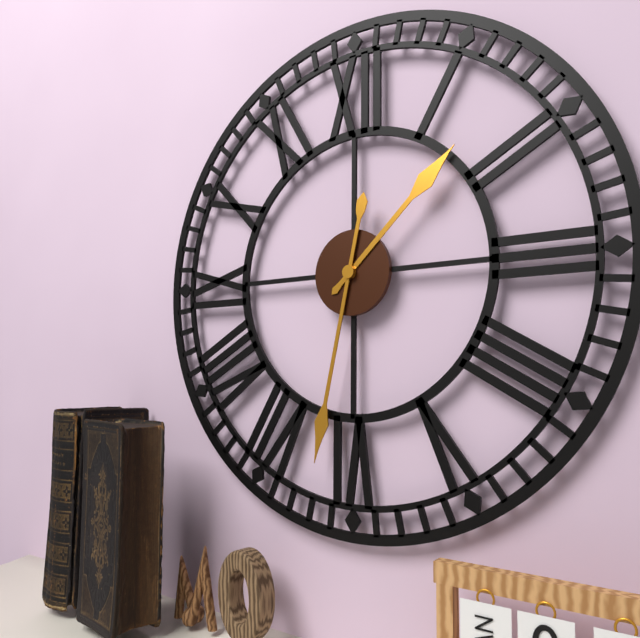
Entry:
1.32
